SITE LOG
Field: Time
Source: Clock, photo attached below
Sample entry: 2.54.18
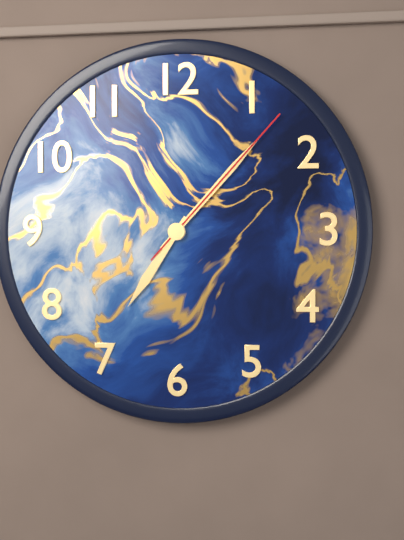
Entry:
7.07.07
